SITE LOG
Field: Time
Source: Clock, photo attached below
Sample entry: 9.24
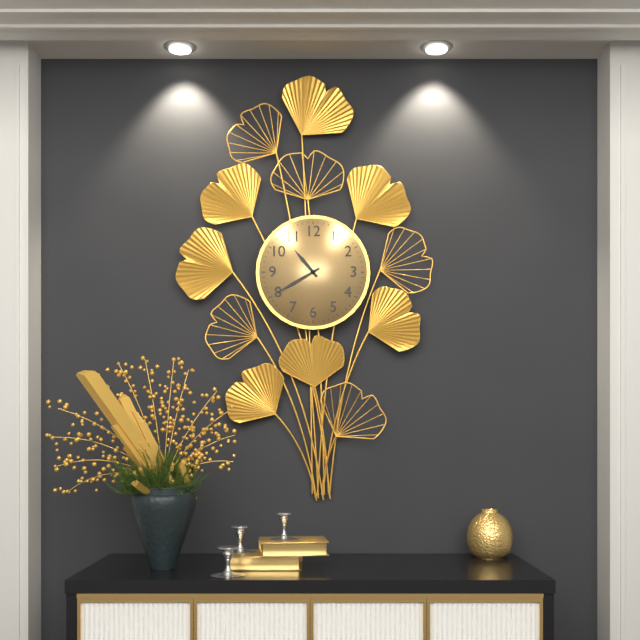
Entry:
10.40
